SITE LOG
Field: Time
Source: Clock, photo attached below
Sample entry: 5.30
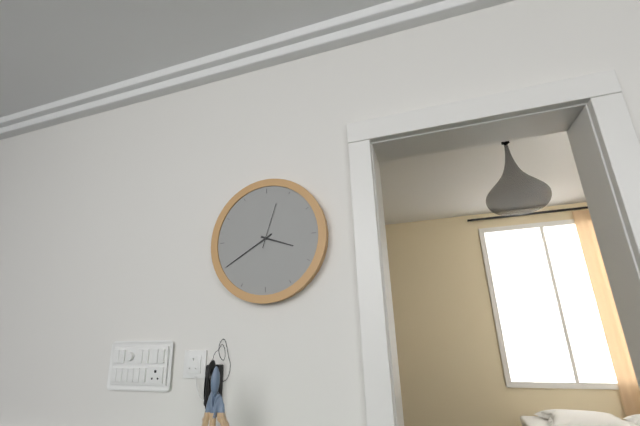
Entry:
3.40
